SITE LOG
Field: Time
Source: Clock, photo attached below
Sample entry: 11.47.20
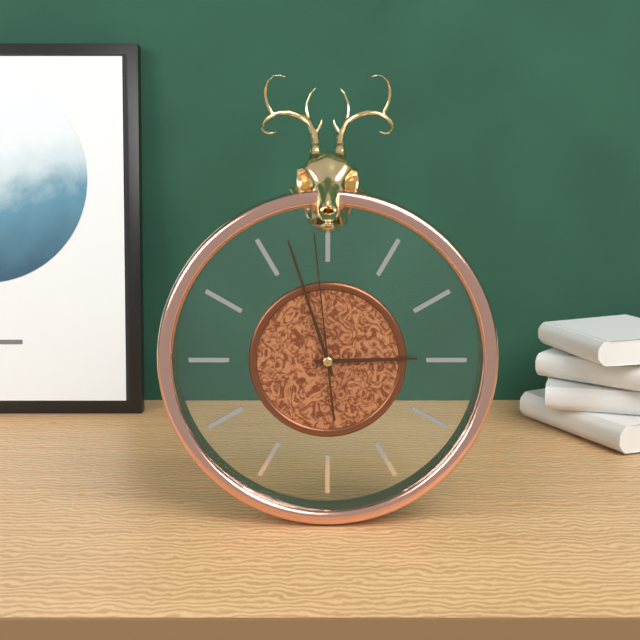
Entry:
2.57.59
